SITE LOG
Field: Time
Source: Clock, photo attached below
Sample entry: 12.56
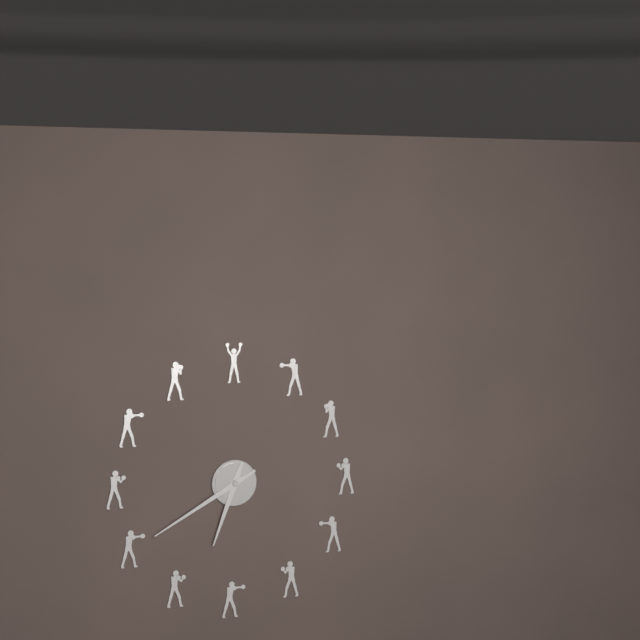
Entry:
6.40
